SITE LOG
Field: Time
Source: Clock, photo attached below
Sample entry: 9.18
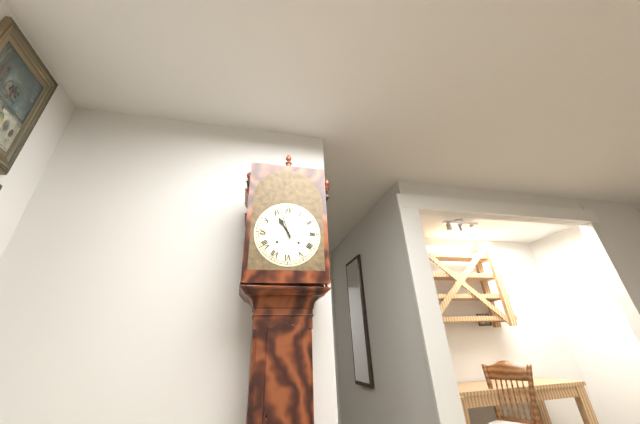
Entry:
10.57
